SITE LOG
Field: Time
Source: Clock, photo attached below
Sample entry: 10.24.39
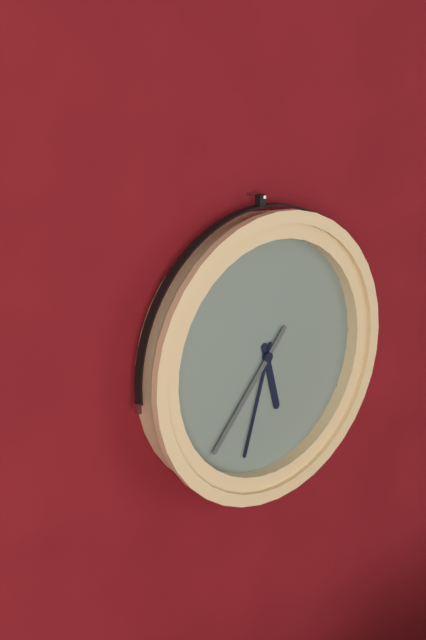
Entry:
5.33.37
